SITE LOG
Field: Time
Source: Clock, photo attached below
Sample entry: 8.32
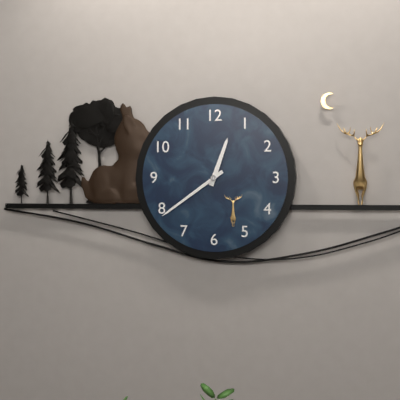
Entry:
12.39
